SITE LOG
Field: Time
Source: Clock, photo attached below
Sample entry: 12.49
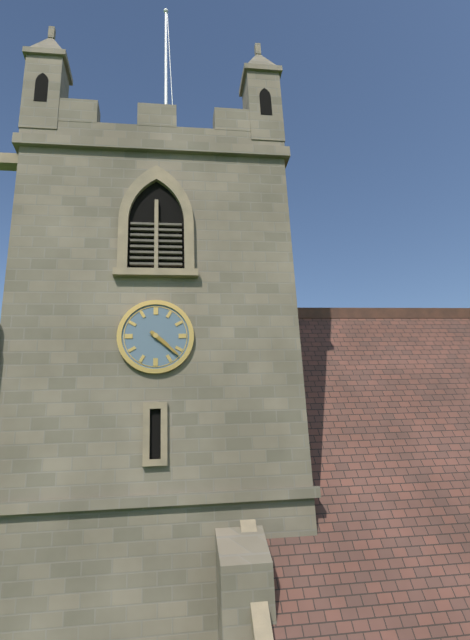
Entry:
4.22
